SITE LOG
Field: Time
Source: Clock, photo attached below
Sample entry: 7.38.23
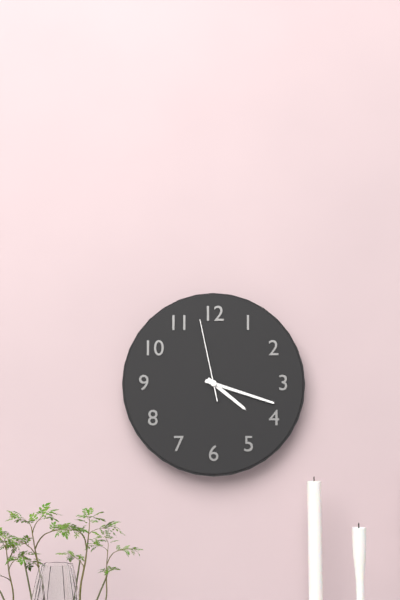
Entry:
4.18.58
